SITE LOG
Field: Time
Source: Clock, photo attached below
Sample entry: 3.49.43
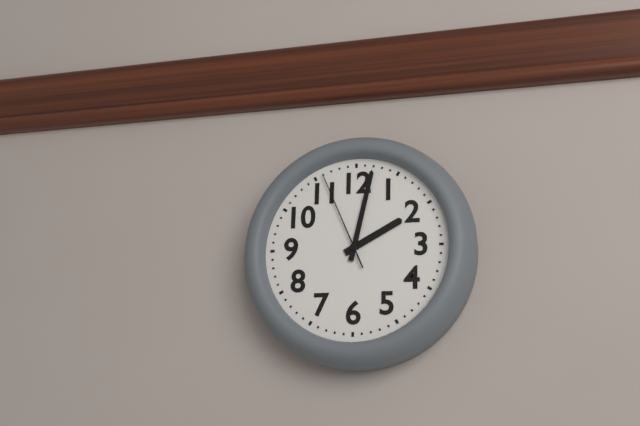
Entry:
2.02.56
